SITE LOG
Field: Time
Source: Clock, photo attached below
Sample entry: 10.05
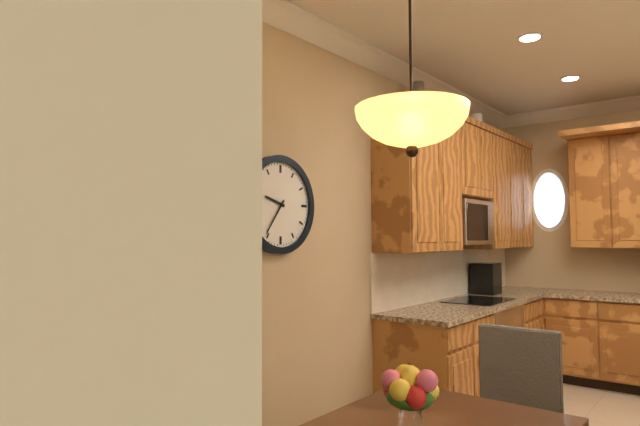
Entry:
9.36
